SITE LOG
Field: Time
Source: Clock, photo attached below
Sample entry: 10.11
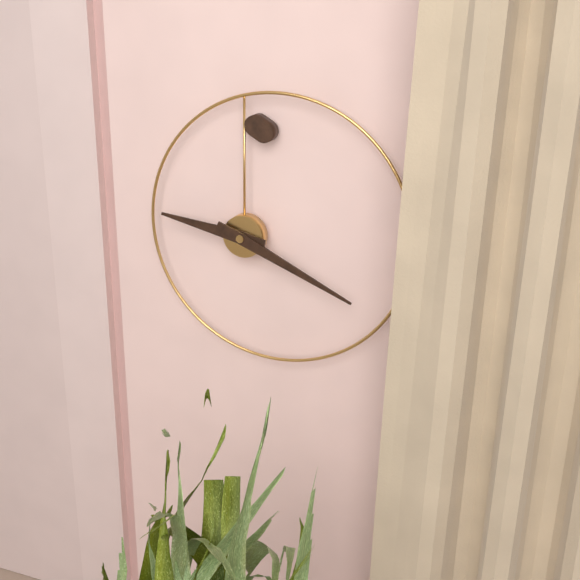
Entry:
9.19
